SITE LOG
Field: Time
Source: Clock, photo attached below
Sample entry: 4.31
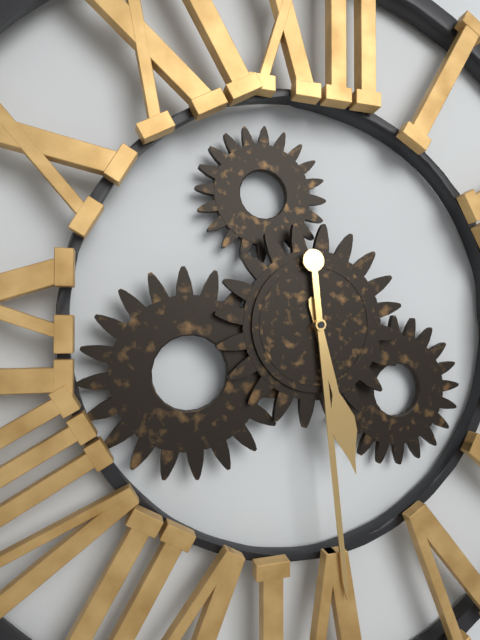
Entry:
5.29
